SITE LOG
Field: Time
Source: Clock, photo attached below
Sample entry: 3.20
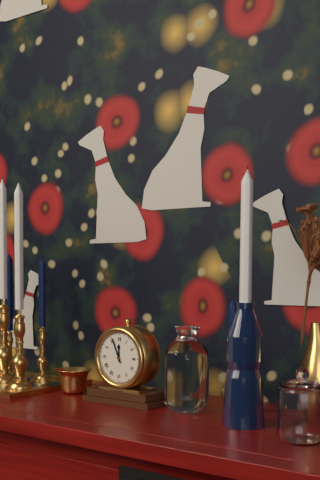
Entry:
11.56
